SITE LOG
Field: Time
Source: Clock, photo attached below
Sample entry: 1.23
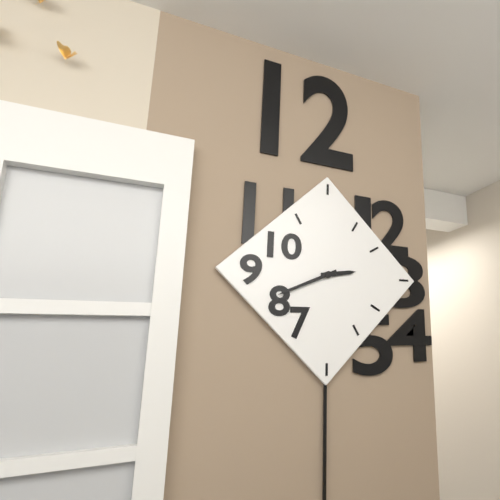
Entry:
2.41
